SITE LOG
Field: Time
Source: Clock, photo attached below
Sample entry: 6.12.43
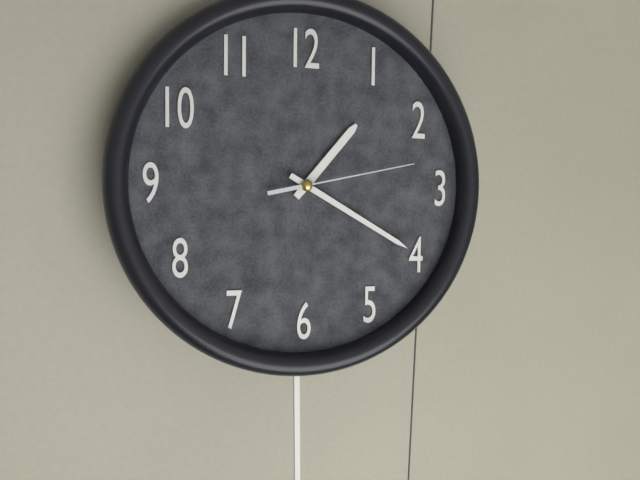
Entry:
1.20.13
